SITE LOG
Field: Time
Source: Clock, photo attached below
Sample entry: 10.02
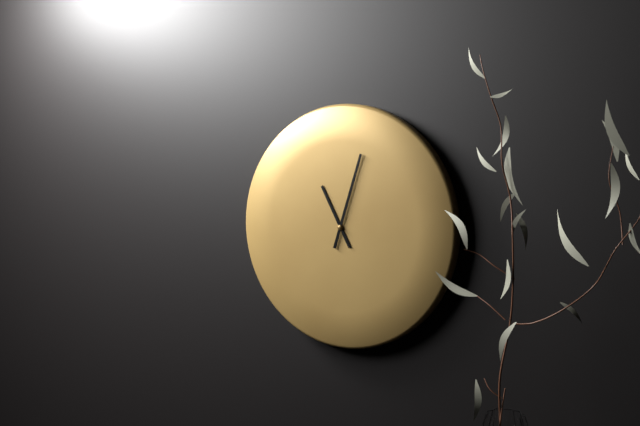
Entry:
11.03
